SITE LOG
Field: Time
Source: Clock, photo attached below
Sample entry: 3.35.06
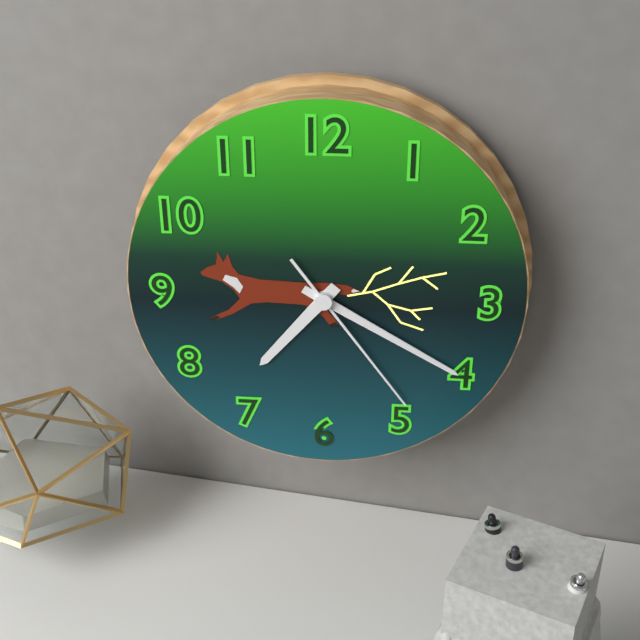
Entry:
7.20.24
